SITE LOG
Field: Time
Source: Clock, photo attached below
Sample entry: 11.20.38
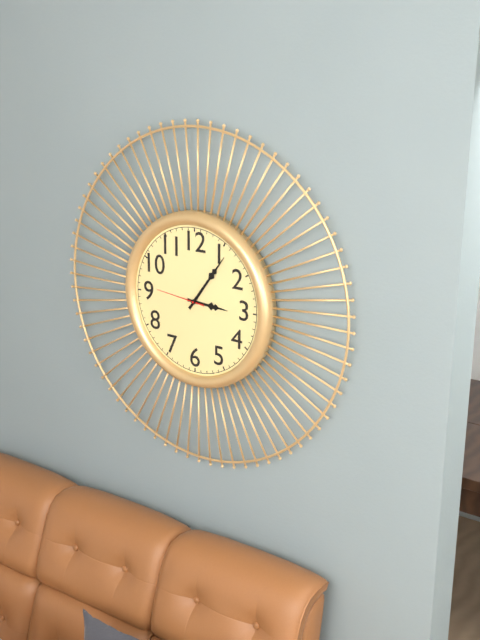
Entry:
3.06.46
